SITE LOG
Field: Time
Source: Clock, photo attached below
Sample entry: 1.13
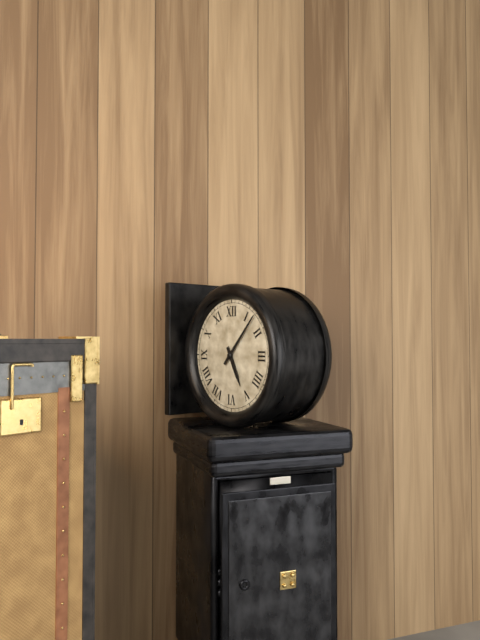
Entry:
5.07
